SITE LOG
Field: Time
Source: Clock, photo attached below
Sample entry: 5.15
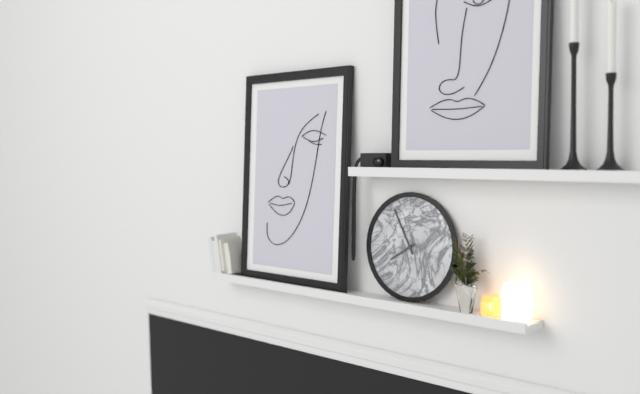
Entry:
7.55
